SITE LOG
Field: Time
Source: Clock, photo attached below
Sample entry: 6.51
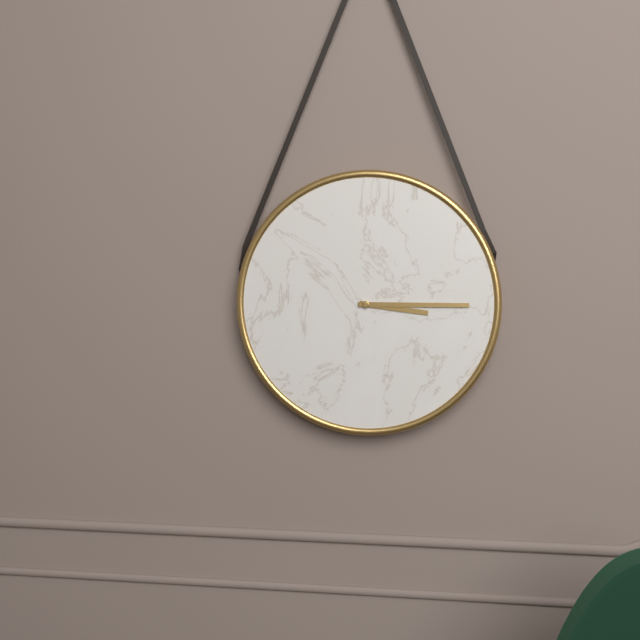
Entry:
3.15
